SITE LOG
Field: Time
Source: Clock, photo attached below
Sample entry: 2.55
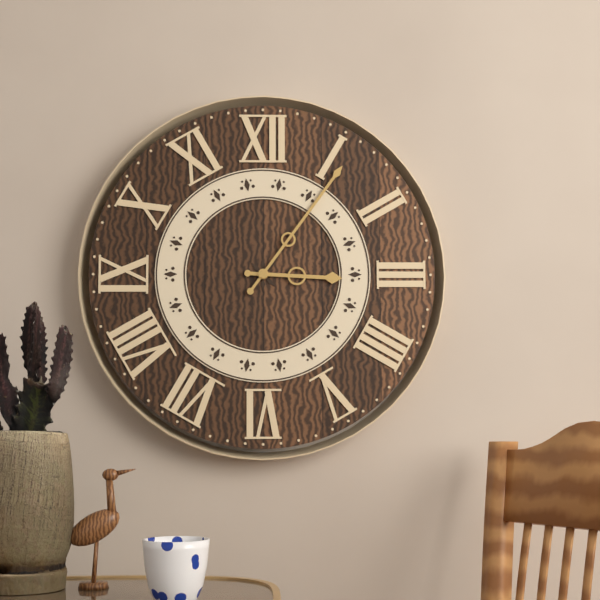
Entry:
3.06
